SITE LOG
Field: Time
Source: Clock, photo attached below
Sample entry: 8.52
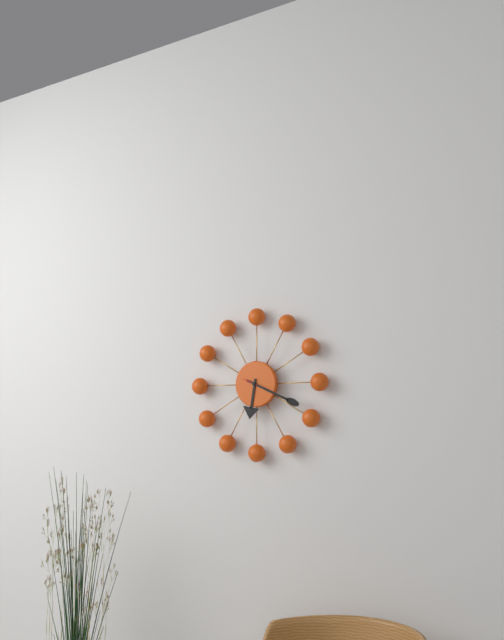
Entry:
6.19
